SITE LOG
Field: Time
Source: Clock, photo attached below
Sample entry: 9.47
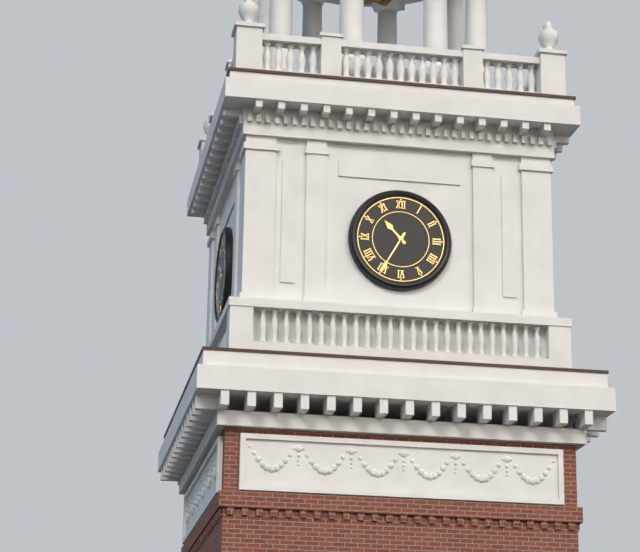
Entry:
10.35
